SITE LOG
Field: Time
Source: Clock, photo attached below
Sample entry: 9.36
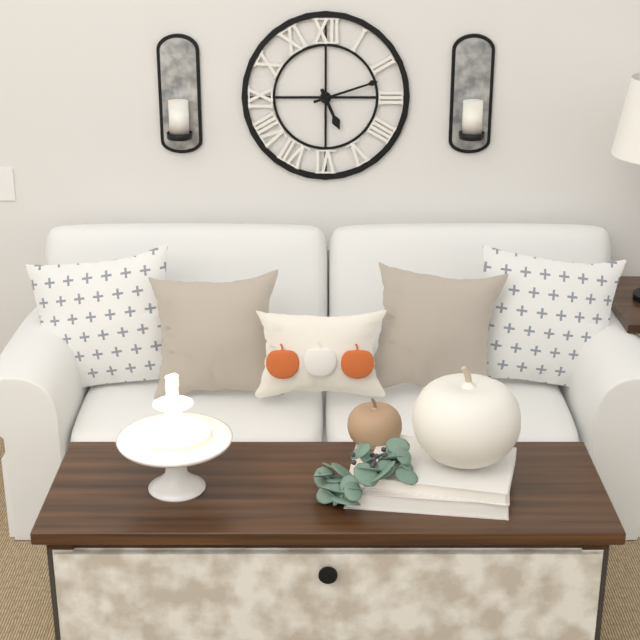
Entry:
5.12
